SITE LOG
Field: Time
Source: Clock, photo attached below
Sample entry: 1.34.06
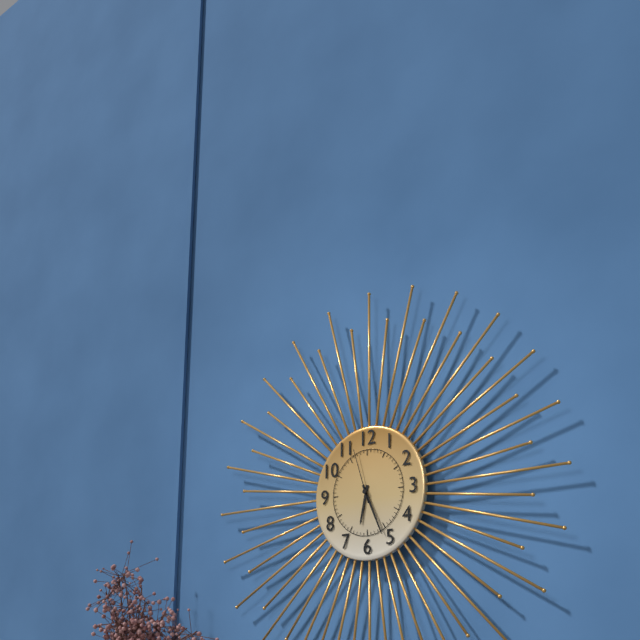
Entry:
6.26.57
